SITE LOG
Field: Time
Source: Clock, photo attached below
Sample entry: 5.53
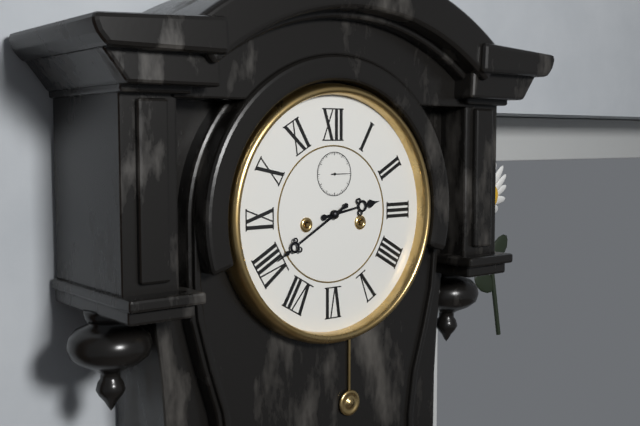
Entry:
2.40
